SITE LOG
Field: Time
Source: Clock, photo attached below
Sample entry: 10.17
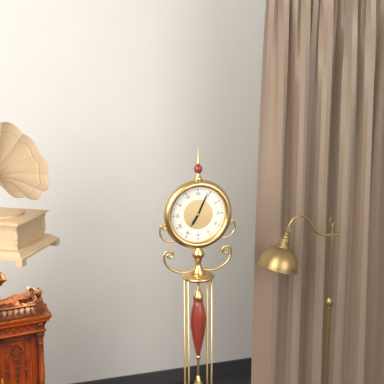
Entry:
7.04
